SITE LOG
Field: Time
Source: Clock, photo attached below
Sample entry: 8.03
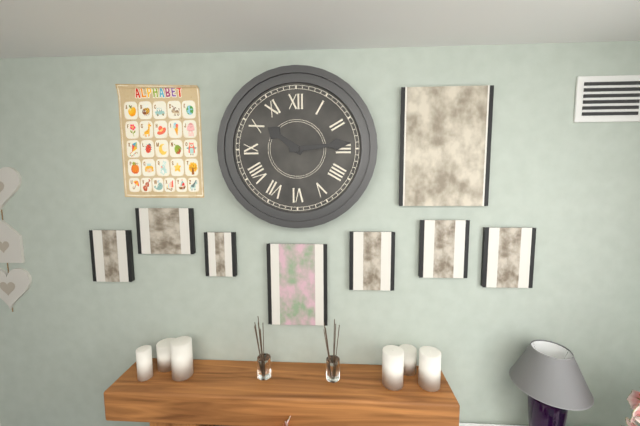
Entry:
10.14
